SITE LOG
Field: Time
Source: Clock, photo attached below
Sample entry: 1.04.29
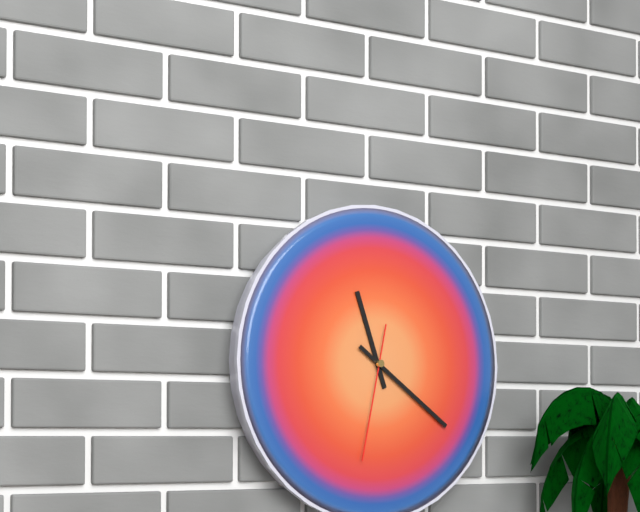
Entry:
11.21.32
